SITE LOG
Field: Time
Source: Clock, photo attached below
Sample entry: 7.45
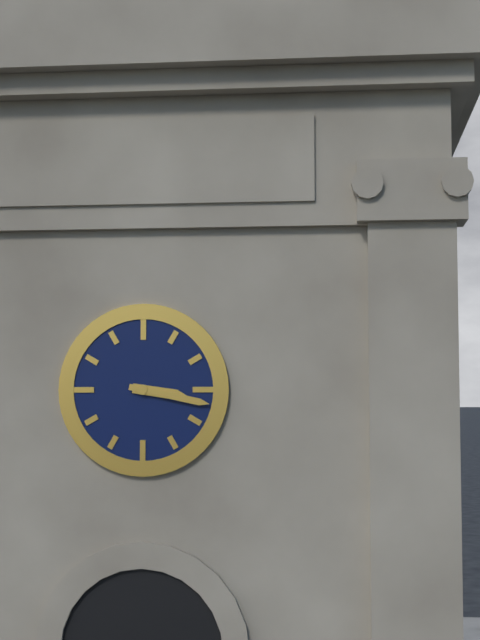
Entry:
3.17
